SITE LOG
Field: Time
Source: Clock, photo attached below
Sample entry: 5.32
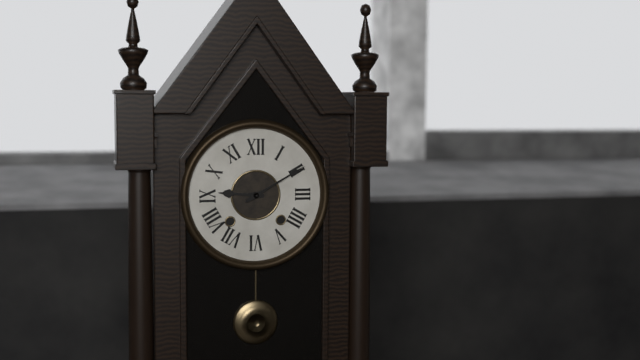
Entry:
9.10
